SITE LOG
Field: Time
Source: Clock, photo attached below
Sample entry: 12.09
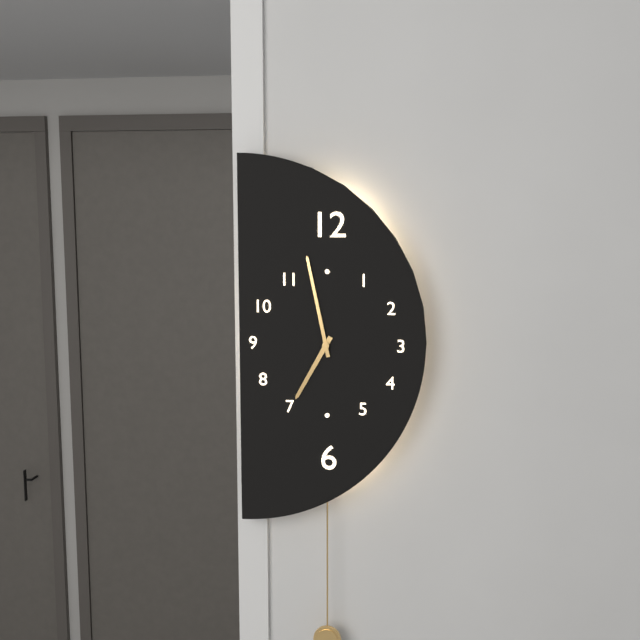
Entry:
6.58
